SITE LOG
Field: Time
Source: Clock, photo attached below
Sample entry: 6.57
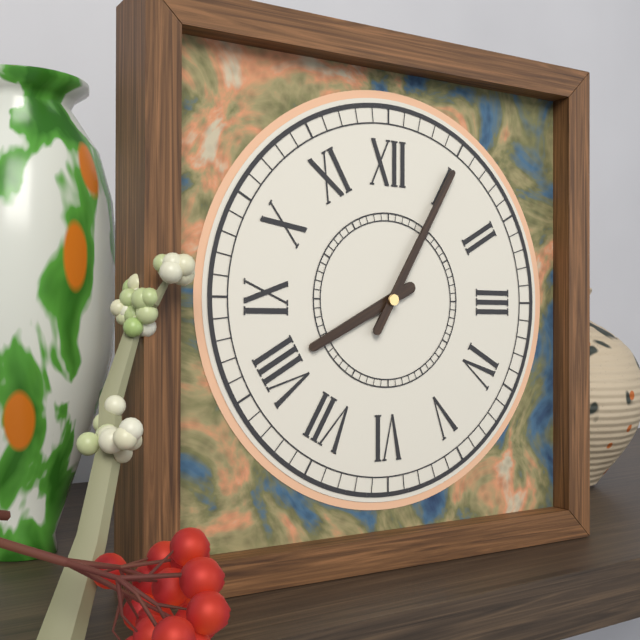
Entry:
8.05
